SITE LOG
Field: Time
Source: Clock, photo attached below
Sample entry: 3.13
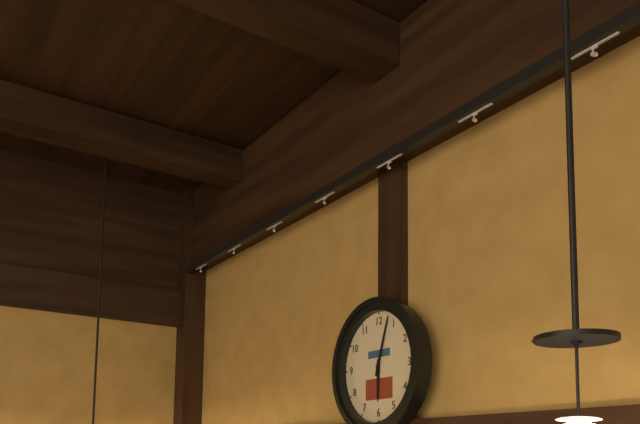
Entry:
6.03
